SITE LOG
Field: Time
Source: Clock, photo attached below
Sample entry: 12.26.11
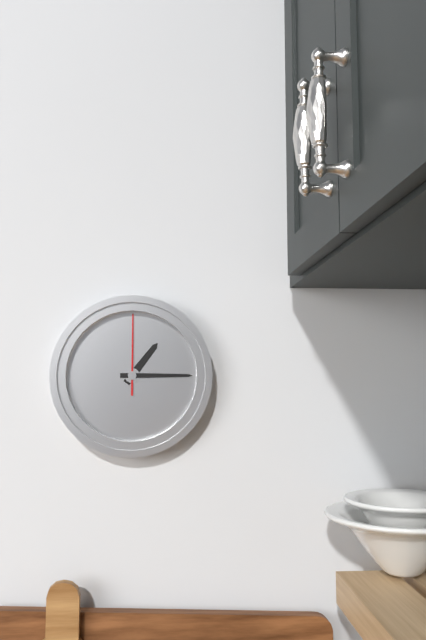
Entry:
1.15.00
